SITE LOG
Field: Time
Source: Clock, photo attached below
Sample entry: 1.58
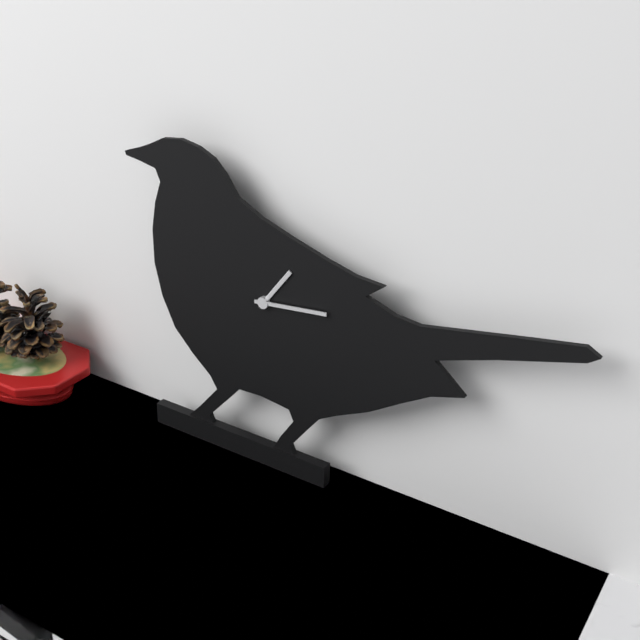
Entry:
1.14
